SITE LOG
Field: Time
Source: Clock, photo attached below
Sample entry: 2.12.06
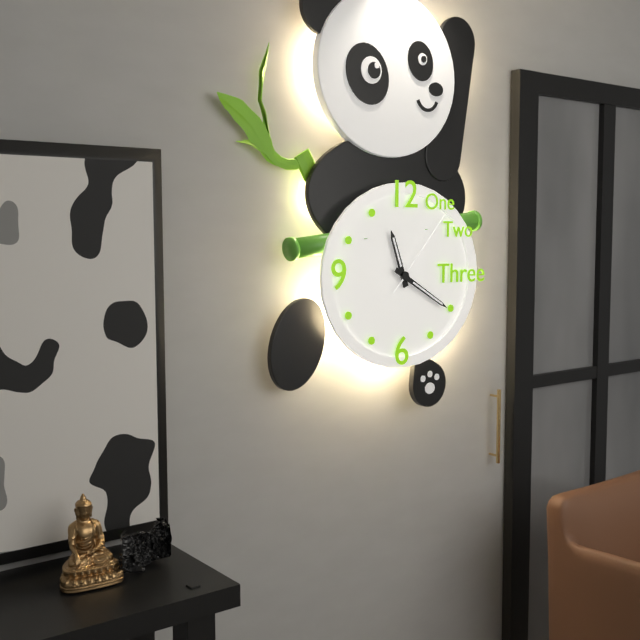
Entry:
11.20.07
